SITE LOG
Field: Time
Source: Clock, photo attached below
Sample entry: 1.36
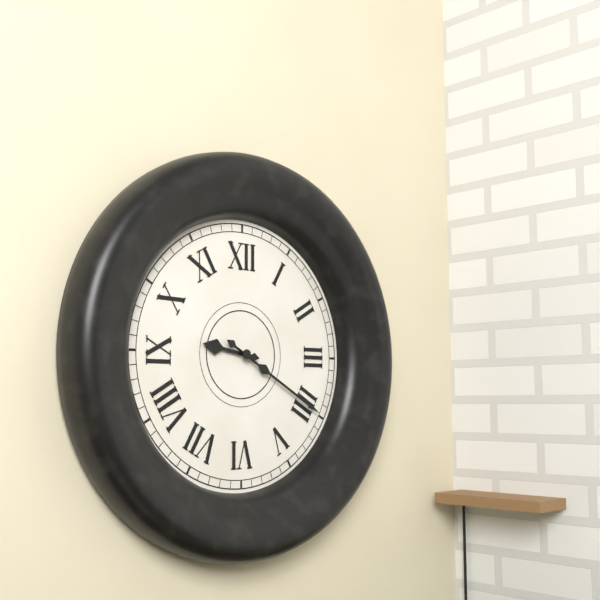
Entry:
9.20
